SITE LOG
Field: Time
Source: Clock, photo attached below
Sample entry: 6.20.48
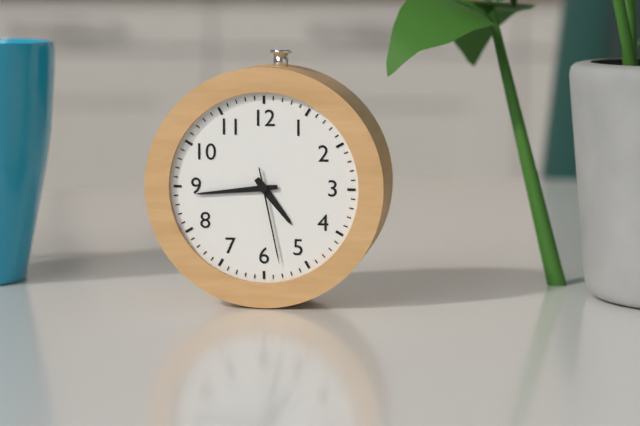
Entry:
4.44.28
